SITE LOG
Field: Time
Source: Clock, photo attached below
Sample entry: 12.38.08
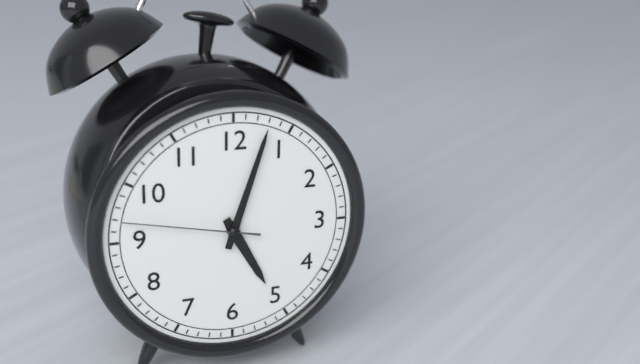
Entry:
5.03.47
